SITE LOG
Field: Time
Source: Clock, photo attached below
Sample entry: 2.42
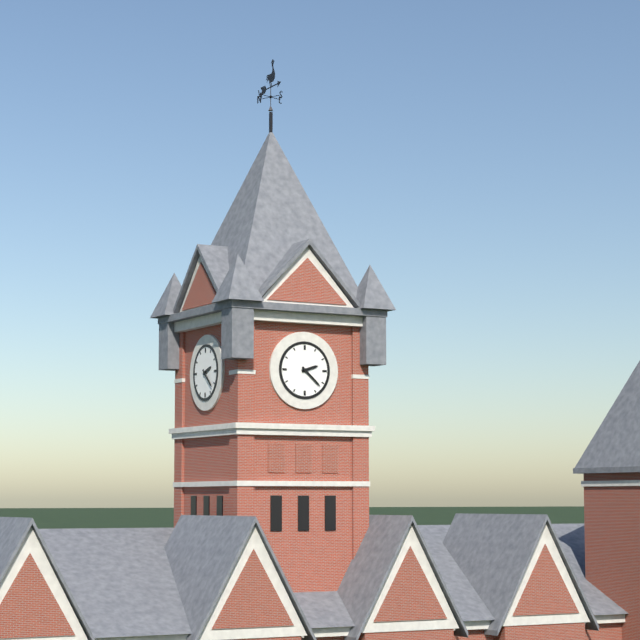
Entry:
2.22
